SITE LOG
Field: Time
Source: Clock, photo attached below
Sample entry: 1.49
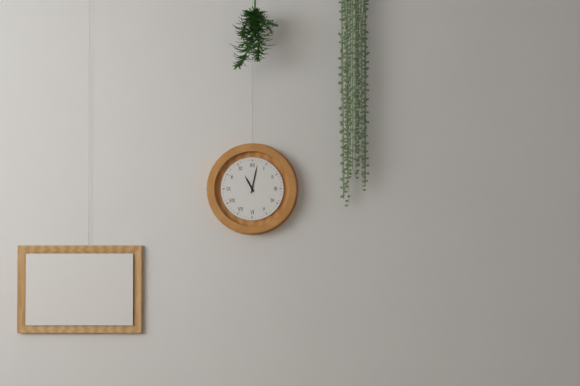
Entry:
11.02
